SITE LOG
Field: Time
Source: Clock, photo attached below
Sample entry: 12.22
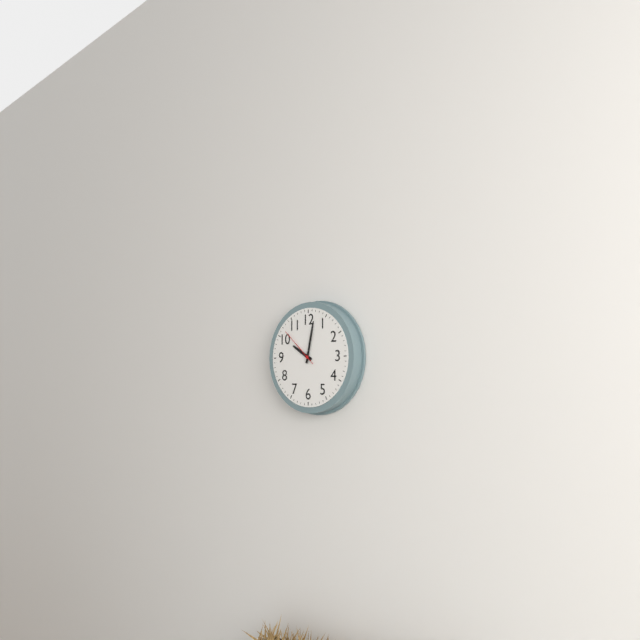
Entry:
10.02
